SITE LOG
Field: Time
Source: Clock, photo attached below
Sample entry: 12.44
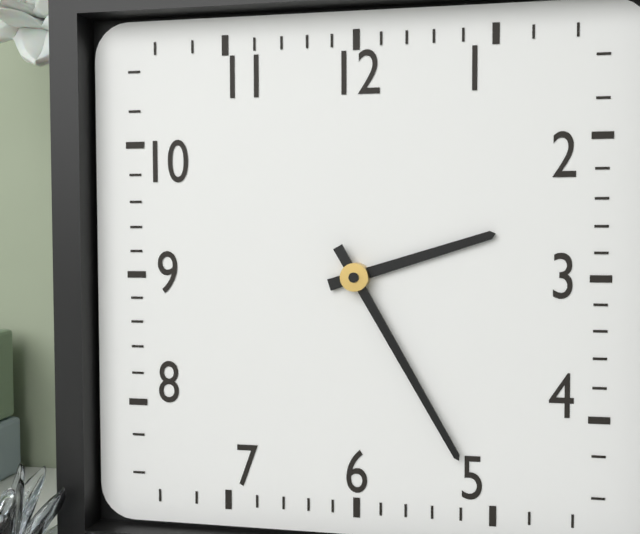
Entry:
2.25
